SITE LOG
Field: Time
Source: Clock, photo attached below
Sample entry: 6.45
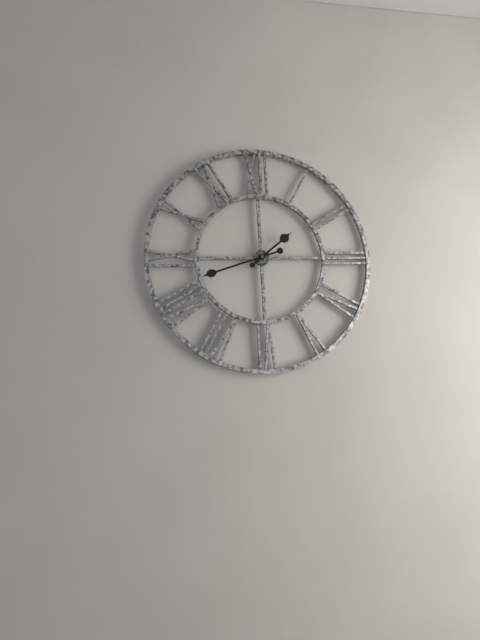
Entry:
1.42
